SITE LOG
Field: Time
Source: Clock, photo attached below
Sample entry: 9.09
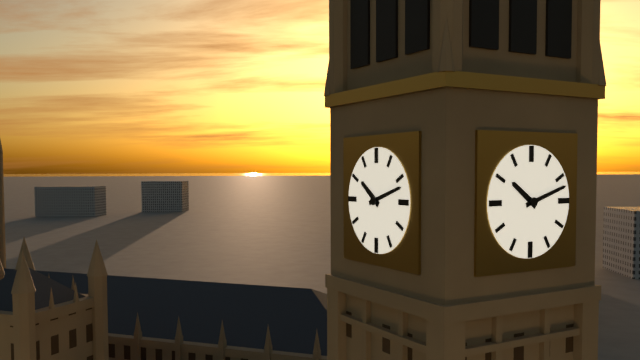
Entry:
10.12
